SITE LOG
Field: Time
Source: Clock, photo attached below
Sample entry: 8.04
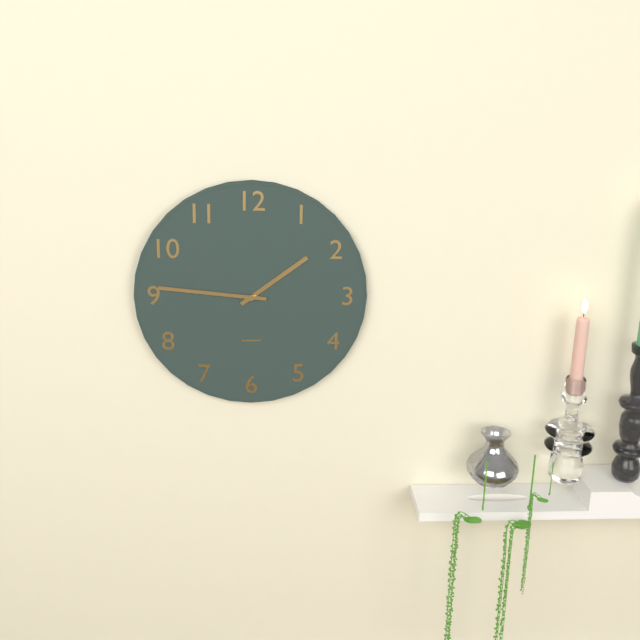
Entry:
1.46
